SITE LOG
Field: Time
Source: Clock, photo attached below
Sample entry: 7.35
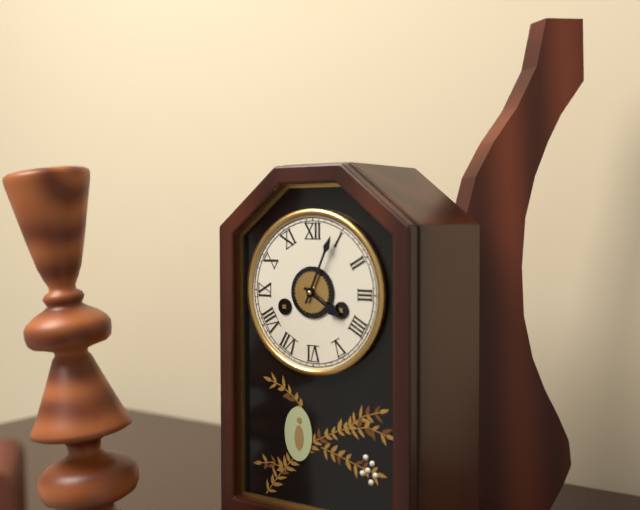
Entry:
4.04
